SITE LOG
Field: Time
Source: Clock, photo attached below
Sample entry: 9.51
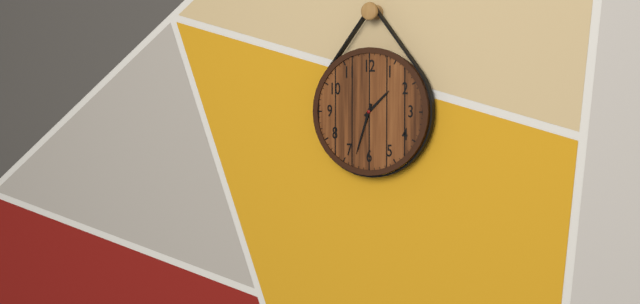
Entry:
1.33
